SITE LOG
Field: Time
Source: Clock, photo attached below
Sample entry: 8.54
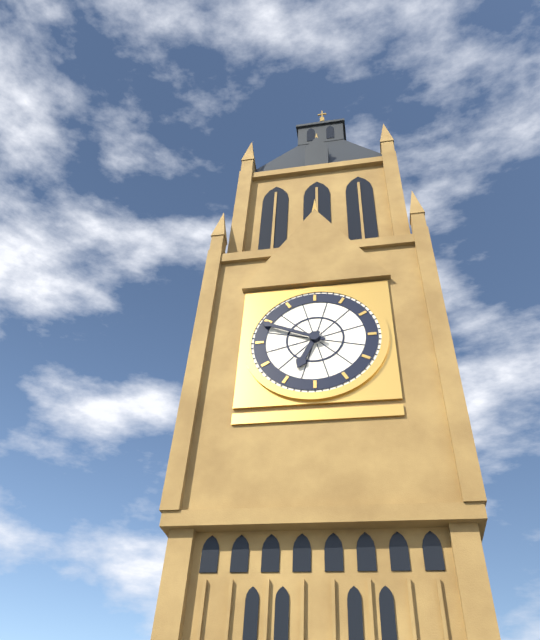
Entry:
6.49
